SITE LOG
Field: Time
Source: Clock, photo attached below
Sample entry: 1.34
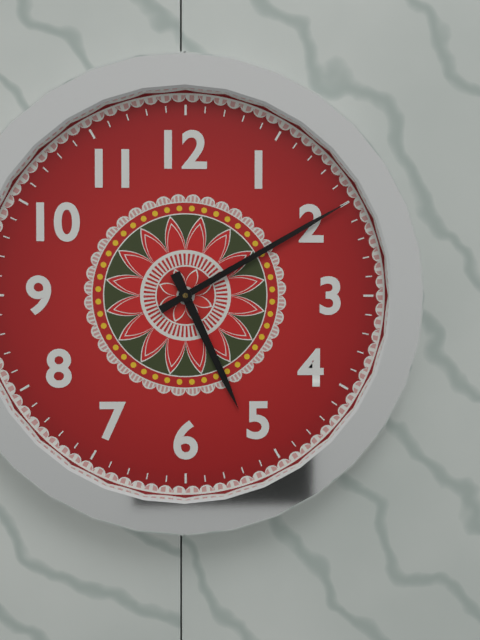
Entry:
5.10
